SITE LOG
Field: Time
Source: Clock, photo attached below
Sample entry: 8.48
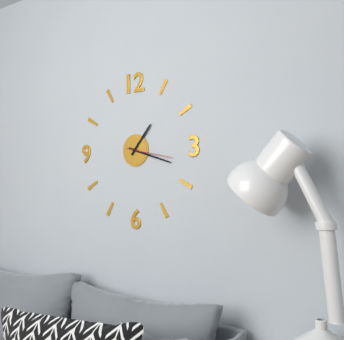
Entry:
1.18
